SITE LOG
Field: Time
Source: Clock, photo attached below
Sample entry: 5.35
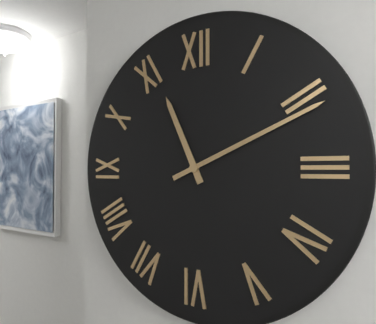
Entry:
11.11
